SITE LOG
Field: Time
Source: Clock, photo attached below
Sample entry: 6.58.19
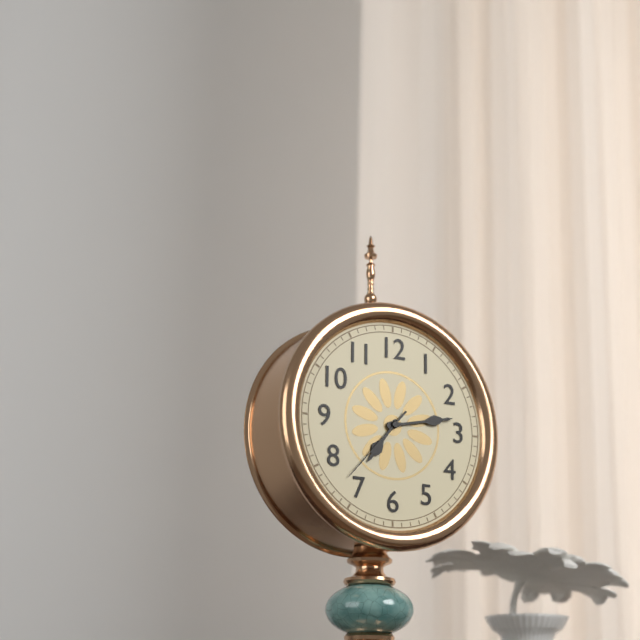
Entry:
7.13.37
